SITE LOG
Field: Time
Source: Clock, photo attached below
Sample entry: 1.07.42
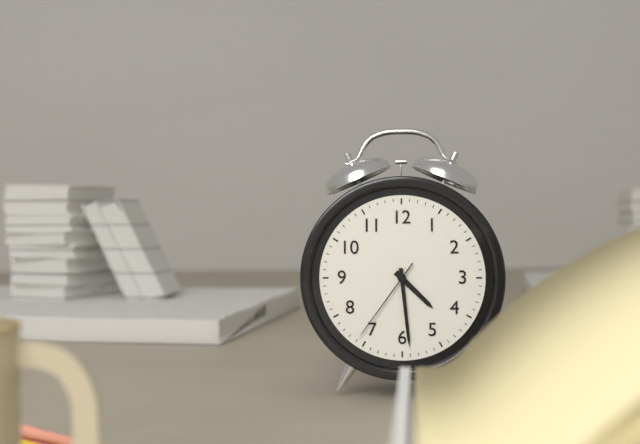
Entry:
4.29.36
